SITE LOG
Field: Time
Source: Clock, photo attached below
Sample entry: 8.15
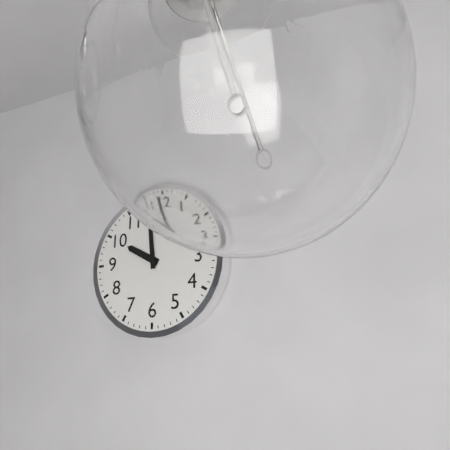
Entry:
9.59
